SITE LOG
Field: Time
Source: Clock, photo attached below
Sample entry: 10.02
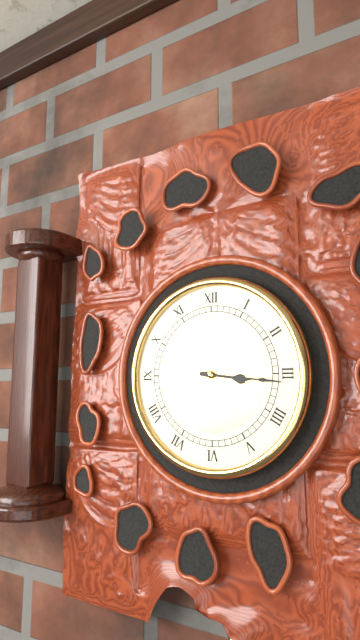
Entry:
3.16
